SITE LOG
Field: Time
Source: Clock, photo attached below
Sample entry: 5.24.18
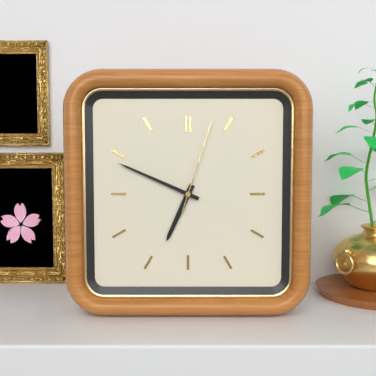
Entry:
6.49.03
